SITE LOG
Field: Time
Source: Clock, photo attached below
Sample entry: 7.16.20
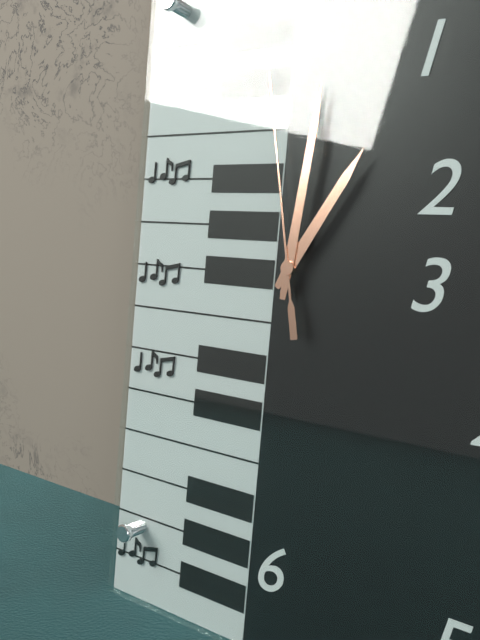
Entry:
1.01.58
